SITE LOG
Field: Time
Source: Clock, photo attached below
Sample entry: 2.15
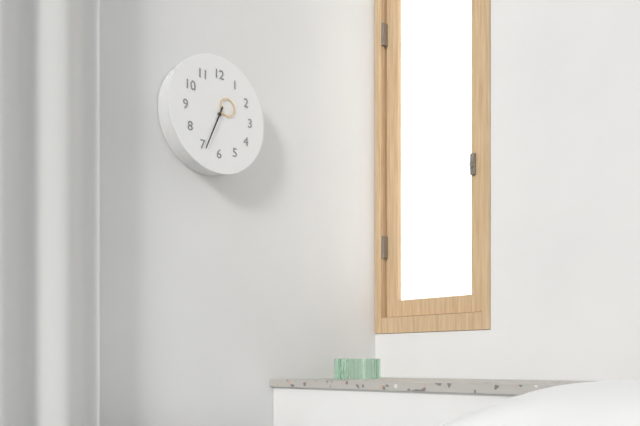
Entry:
1.34
